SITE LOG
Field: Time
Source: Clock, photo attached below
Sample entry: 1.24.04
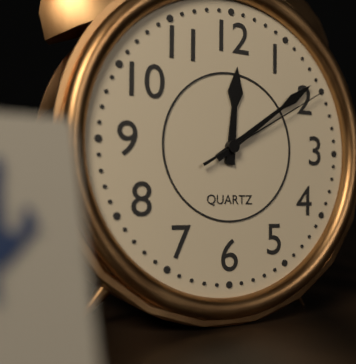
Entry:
12.09.10
